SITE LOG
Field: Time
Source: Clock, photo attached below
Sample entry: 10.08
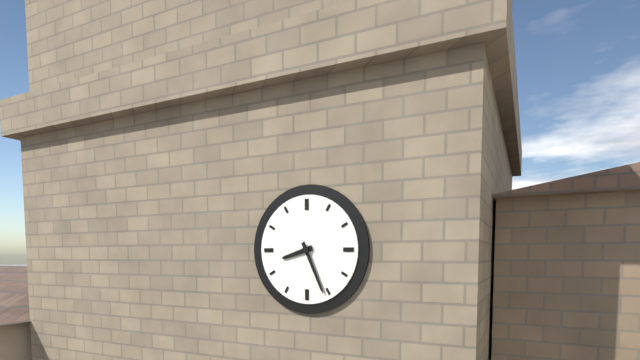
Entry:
8.26
